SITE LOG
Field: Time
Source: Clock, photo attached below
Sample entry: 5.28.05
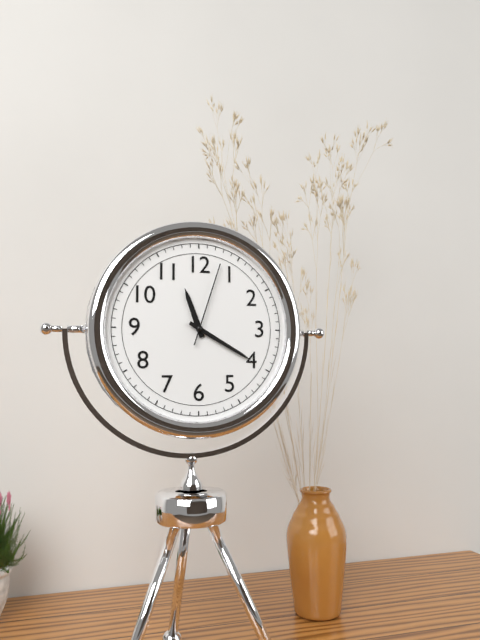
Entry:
11.20.03
